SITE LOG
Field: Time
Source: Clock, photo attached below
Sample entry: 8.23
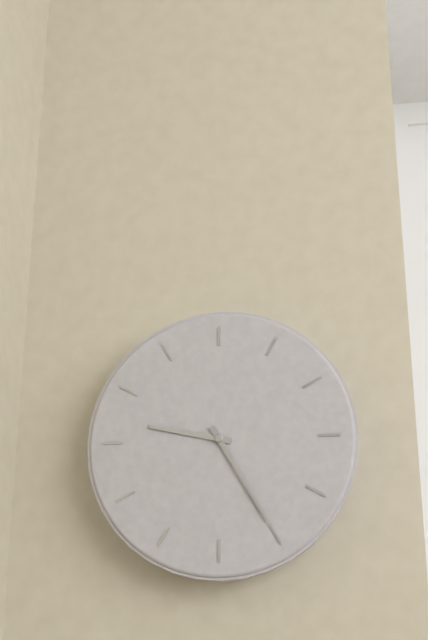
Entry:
9.25
